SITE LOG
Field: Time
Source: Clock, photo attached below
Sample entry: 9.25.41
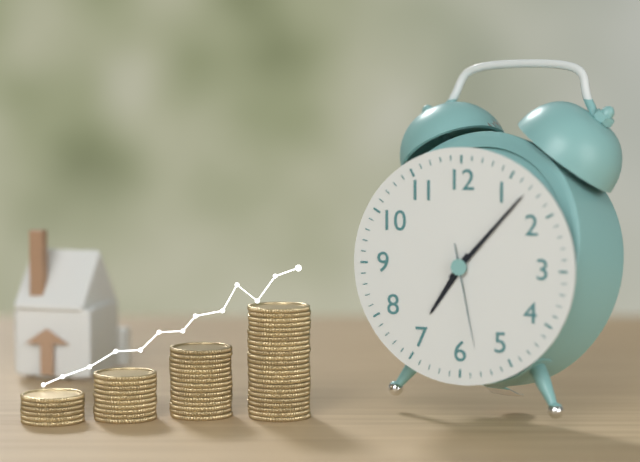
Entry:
7.07.28
